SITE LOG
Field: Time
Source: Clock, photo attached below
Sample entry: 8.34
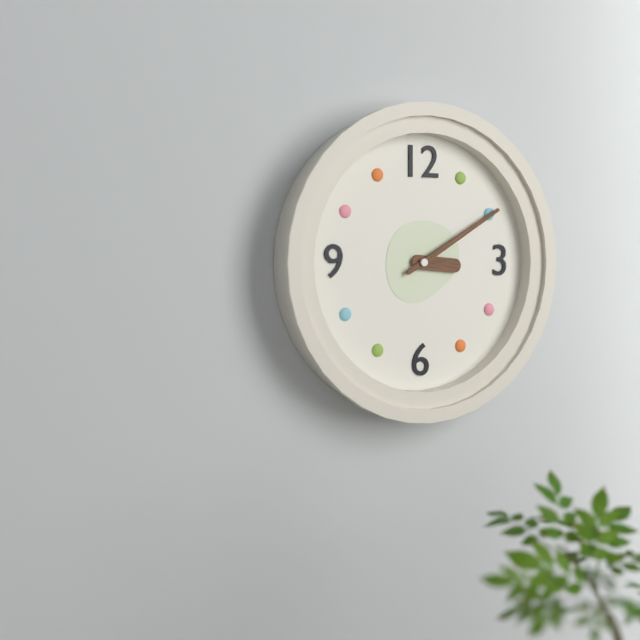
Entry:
3.10
